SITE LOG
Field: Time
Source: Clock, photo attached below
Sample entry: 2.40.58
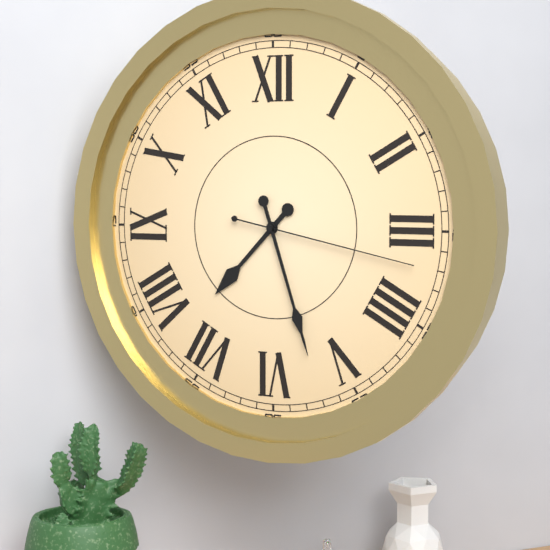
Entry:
7.27.17
